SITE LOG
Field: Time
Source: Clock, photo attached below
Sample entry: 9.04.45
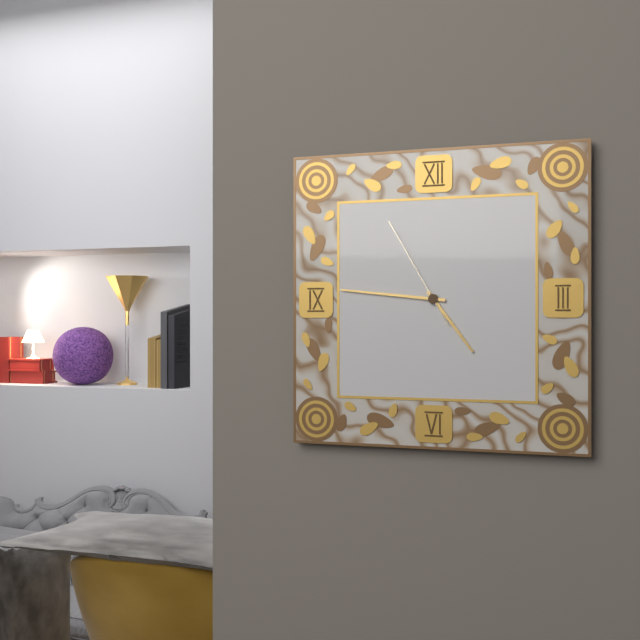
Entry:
4.46.55
